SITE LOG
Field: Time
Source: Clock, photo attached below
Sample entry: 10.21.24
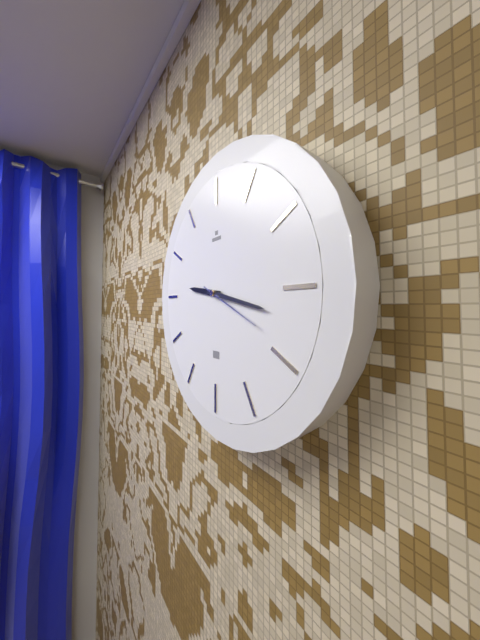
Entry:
9.17.19
